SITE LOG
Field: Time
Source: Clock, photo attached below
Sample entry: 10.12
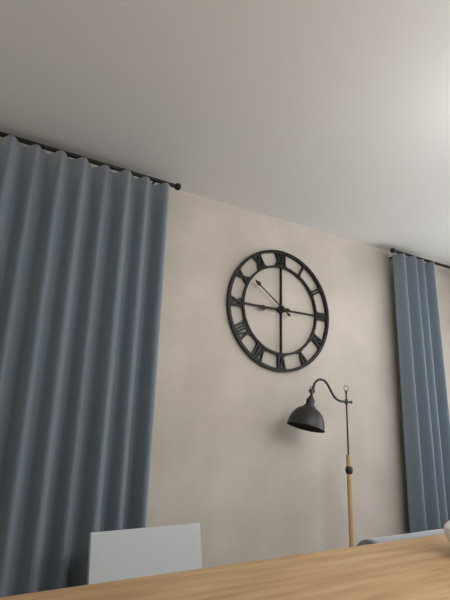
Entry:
8.51
